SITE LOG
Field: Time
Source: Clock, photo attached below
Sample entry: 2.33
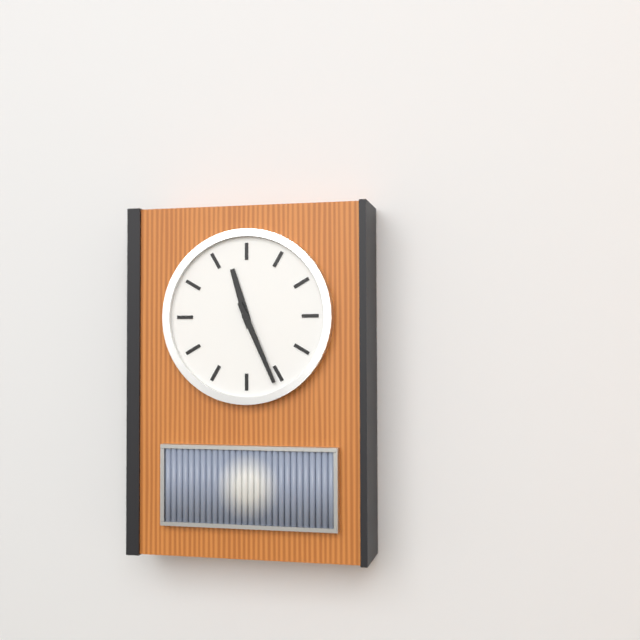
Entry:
11.26
